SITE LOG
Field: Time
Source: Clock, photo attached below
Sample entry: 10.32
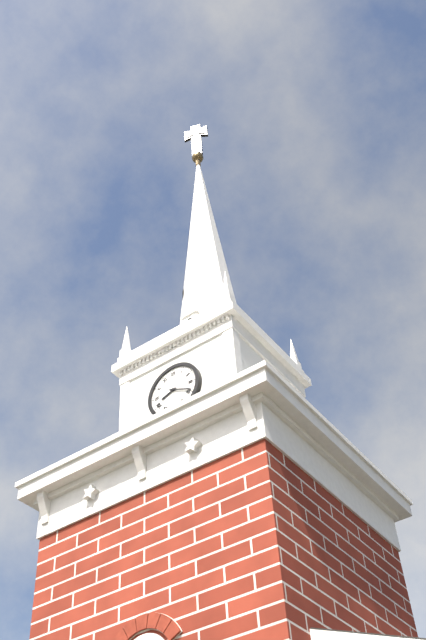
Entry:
8.19
